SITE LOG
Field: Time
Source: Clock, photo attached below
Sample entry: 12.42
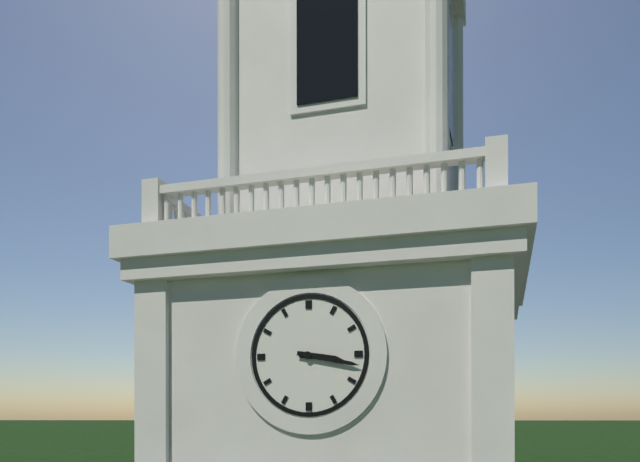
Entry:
3.17
